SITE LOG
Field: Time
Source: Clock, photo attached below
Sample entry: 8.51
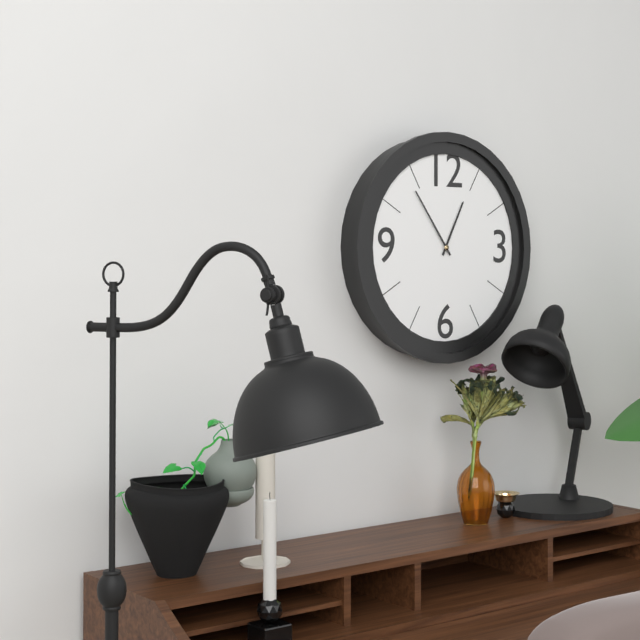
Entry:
12.54
